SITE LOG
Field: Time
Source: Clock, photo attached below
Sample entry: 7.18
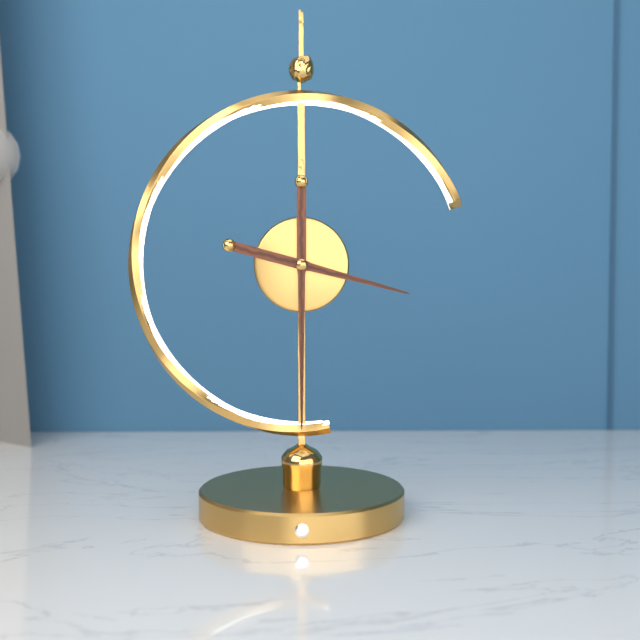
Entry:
3.30
